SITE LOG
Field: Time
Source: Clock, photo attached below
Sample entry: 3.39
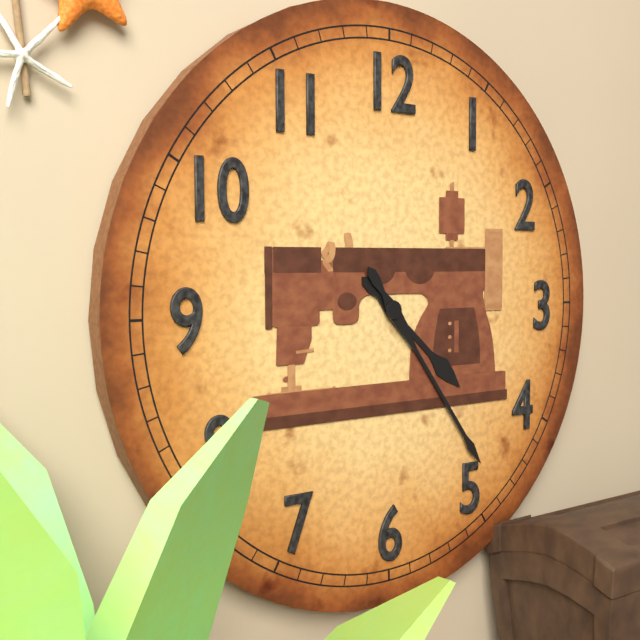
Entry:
4.24
